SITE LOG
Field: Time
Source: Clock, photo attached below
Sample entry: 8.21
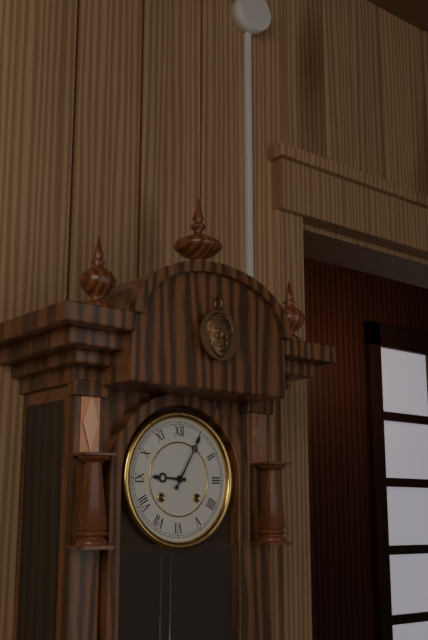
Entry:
9.05
